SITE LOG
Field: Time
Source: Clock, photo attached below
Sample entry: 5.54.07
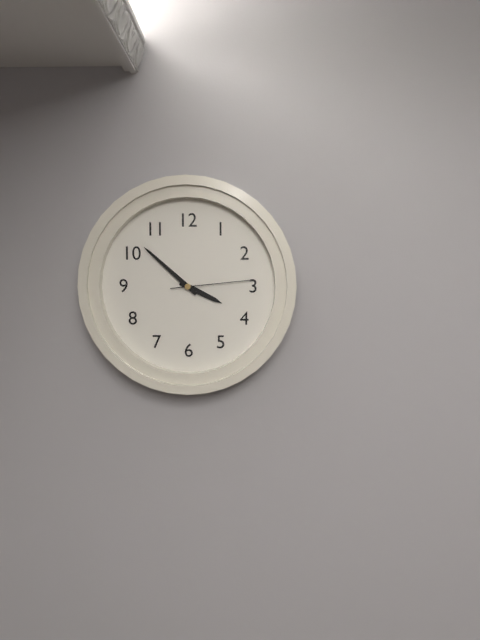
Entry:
3.52.14
